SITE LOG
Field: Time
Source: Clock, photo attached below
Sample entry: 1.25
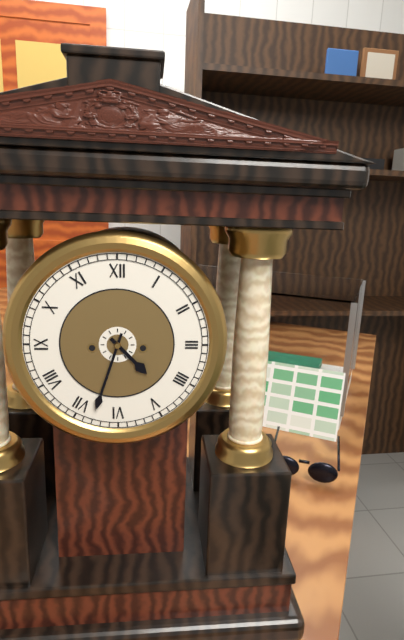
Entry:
4.33
